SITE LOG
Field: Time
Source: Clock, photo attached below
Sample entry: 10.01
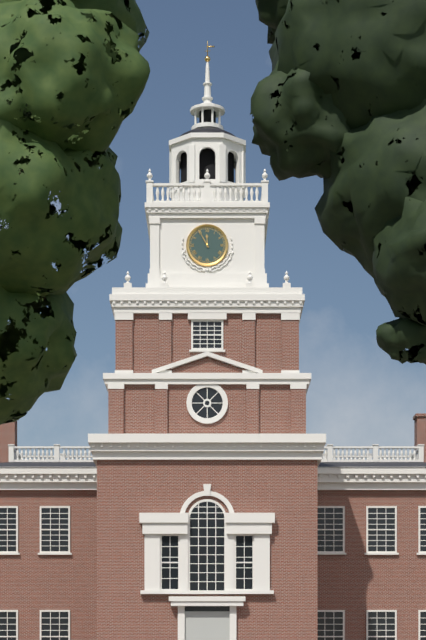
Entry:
11.55
